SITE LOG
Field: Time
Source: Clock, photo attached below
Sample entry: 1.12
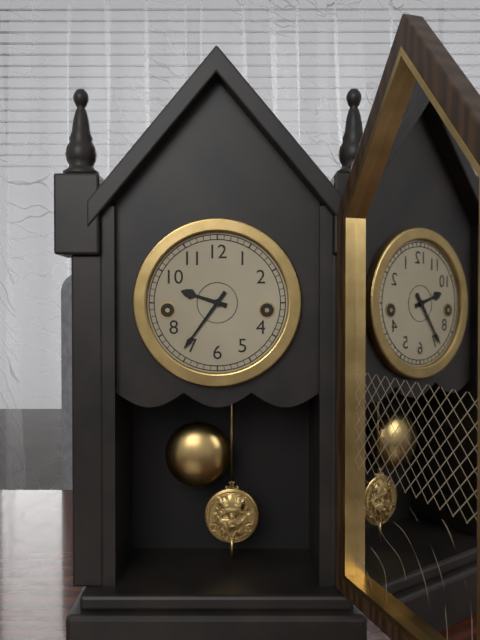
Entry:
9.36
